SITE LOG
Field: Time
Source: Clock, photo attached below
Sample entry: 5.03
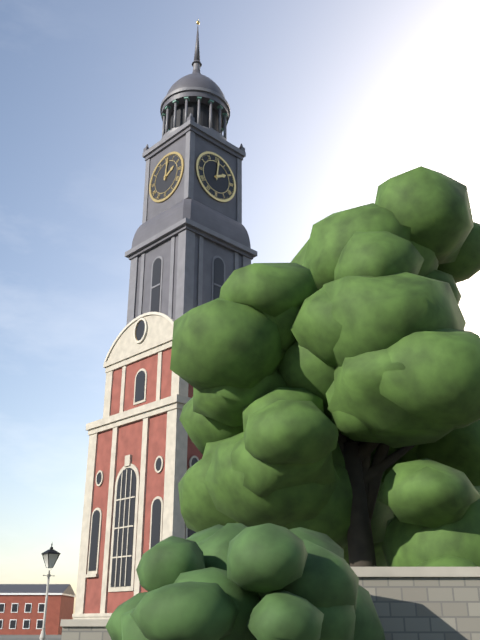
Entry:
2.01
